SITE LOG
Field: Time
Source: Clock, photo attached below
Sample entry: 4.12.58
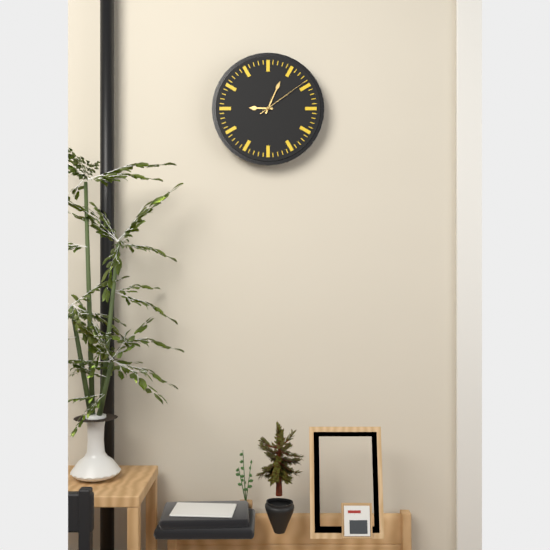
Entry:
9.04.09
